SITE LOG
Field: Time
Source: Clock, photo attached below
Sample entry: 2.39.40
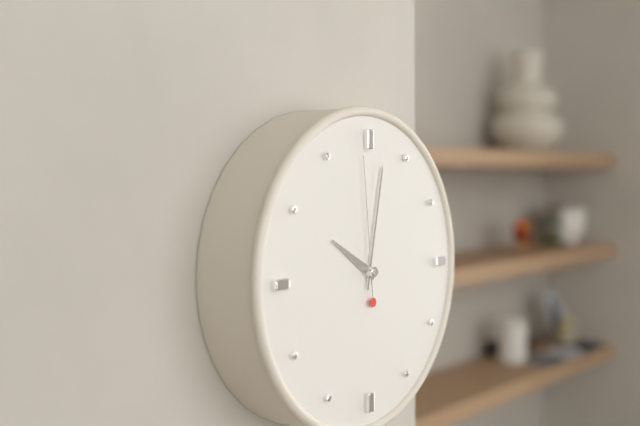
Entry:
10.02.59
